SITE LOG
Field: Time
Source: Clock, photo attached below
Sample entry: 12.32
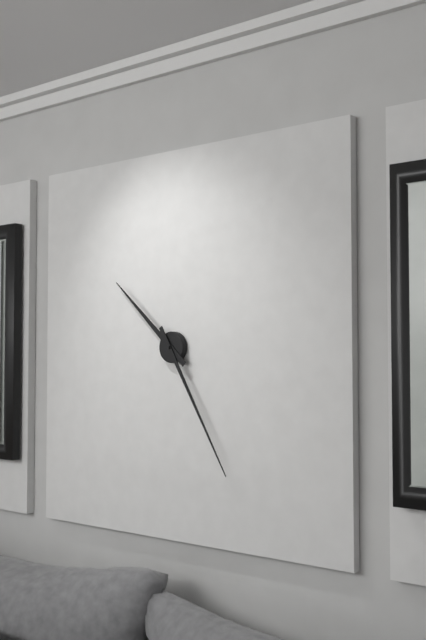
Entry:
10.25
